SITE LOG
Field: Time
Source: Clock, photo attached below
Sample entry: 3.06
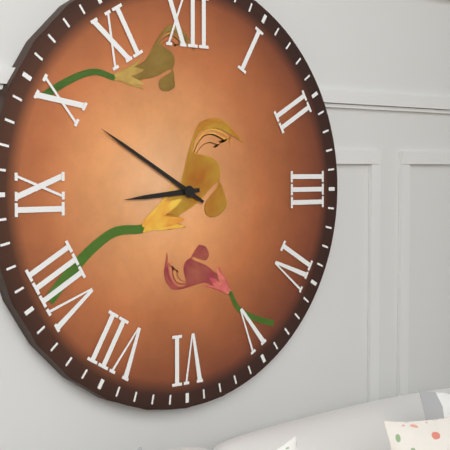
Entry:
8.50
